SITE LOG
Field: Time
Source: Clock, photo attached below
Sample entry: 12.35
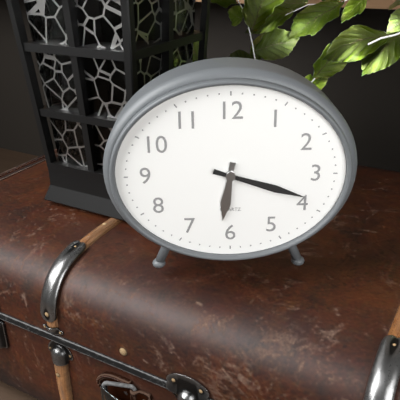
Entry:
6.18
